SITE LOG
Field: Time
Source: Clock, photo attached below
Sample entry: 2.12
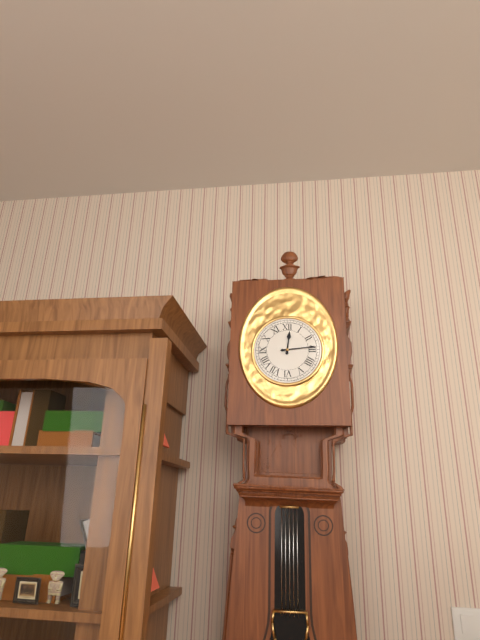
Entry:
12.14
